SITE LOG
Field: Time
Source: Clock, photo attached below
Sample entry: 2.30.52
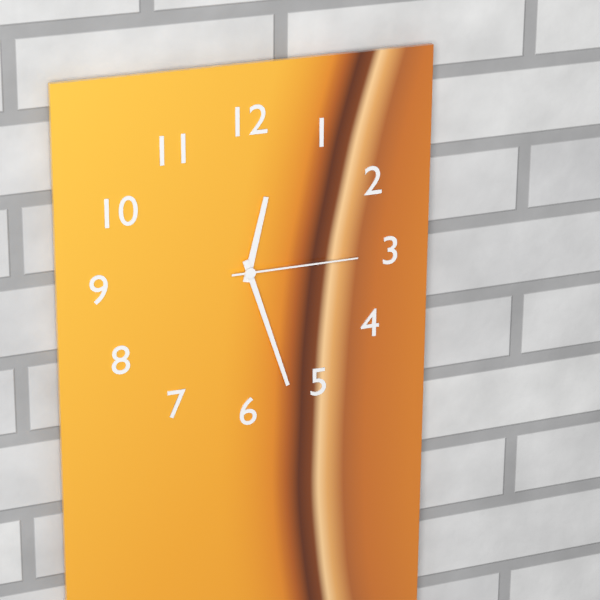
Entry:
12.27.15
